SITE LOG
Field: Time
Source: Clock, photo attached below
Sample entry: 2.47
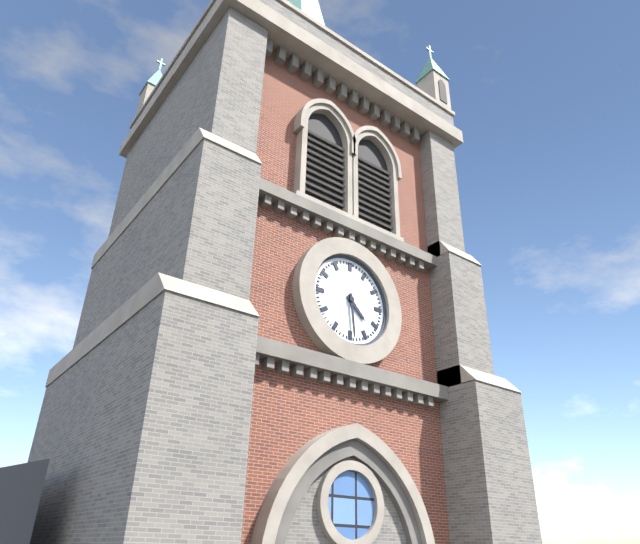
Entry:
4.29
